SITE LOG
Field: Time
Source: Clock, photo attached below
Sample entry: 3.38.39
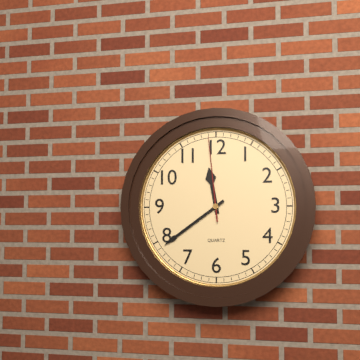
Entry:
11.39.59
